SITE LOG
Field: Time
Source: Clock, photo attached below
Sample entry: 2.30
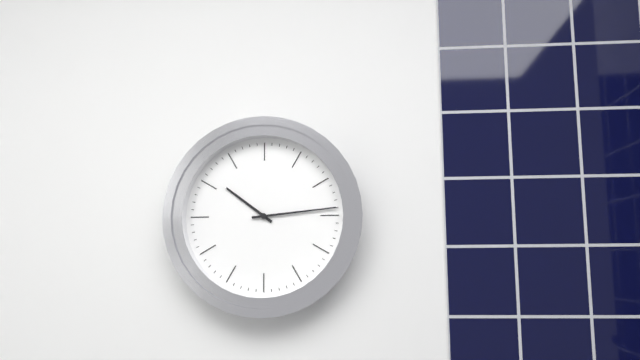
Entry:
10.14
